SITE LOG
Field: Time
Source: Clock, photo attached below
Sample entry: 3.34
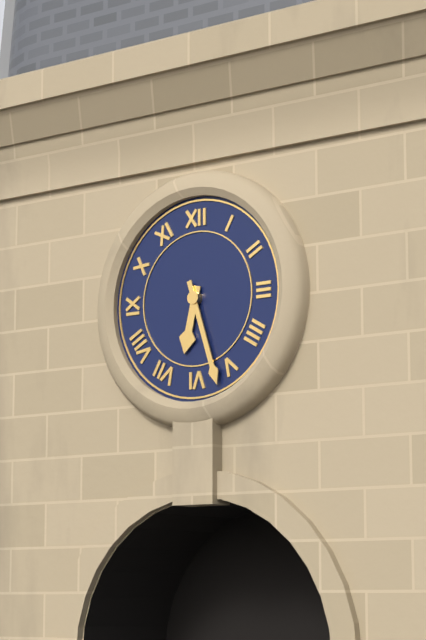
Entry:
6.27
